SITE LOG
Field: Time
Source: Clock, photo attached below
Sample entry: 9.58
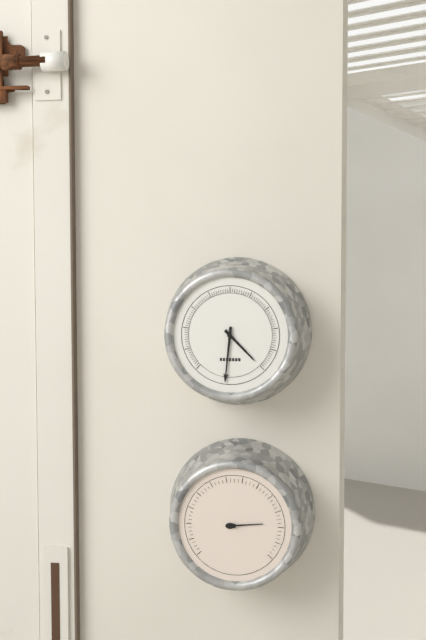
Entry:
4.31
